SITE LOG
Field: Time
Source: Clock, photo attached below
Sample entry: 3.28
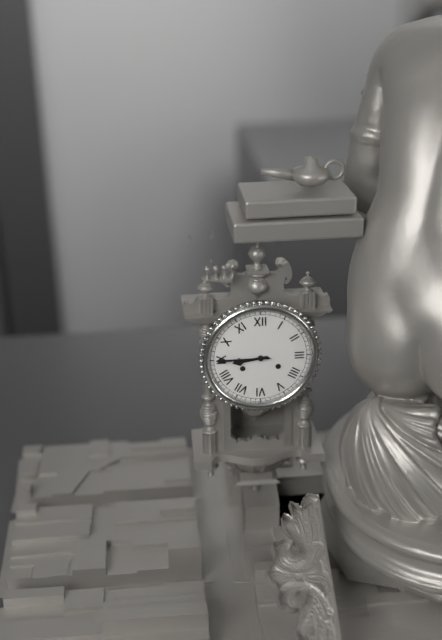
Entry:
8.45
